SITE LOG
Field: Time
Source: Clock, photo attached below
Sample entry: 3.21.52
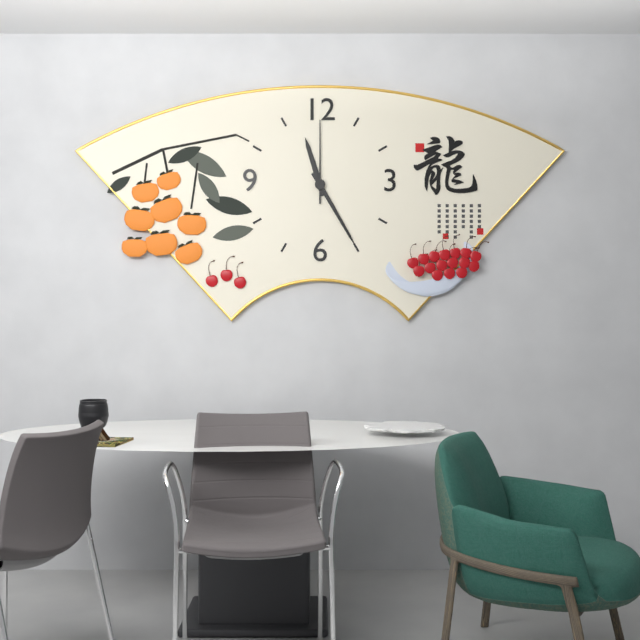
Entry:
11.25.00
